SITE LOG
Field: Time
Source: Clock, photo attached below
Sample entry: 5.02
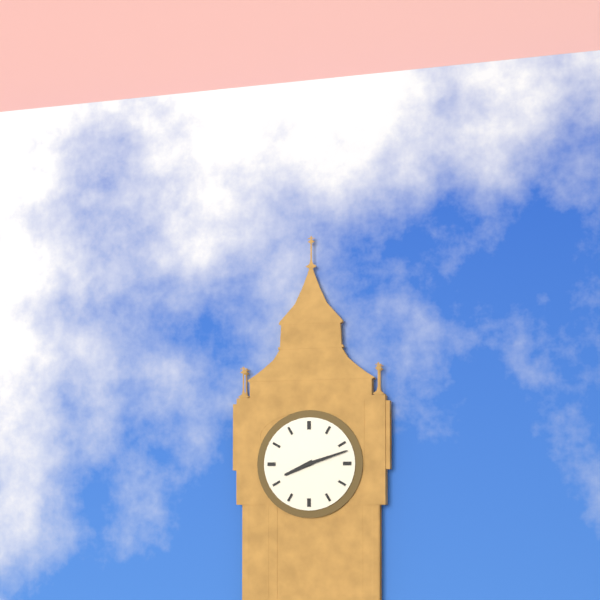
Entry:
8.12
